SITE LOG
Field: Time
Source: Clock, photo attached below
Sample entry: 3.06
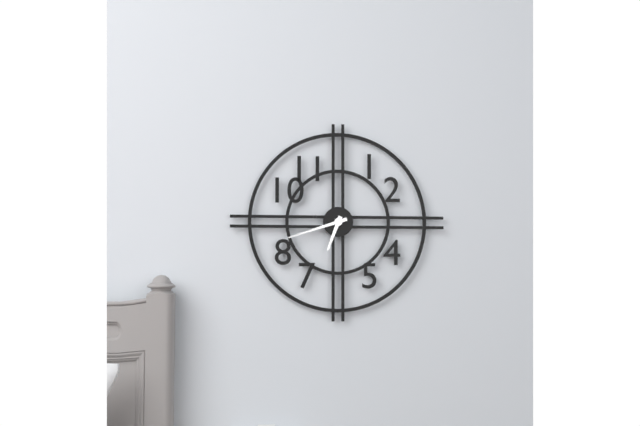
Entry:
6.42
